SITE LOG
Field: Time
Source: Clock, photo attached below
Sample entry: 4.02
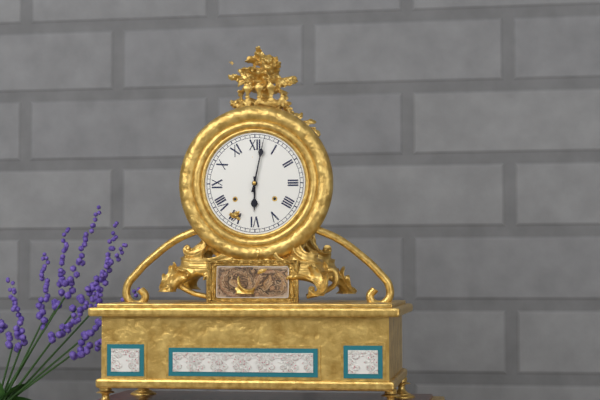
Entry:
6.02
